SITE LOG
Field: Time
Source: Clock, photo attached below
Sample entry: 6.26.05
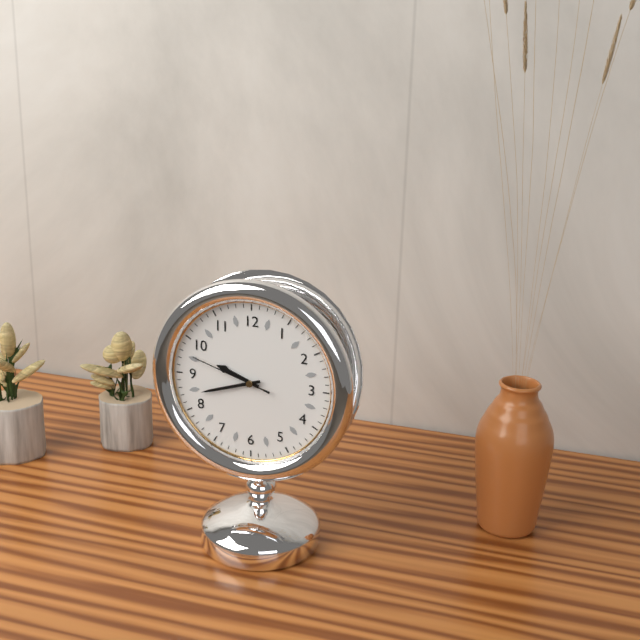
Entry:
9.42.48
